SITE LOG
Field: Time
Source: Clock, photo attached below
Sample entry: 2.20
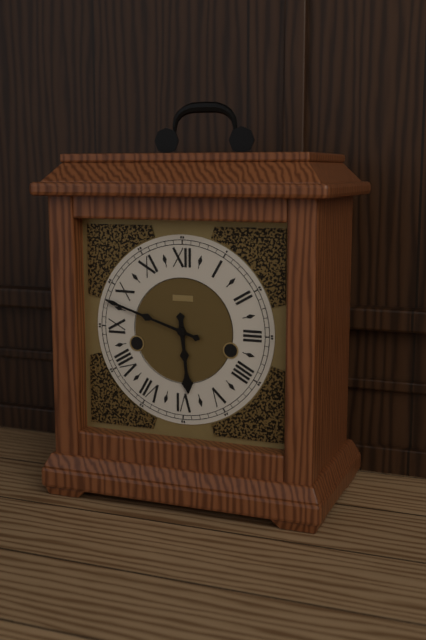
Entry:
5.48
